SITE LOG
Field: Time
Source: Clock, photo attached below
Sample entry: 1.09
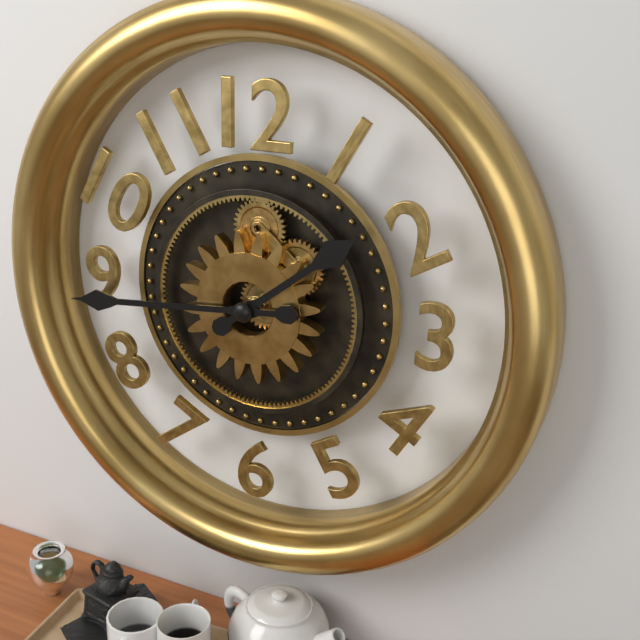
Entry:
1.44
